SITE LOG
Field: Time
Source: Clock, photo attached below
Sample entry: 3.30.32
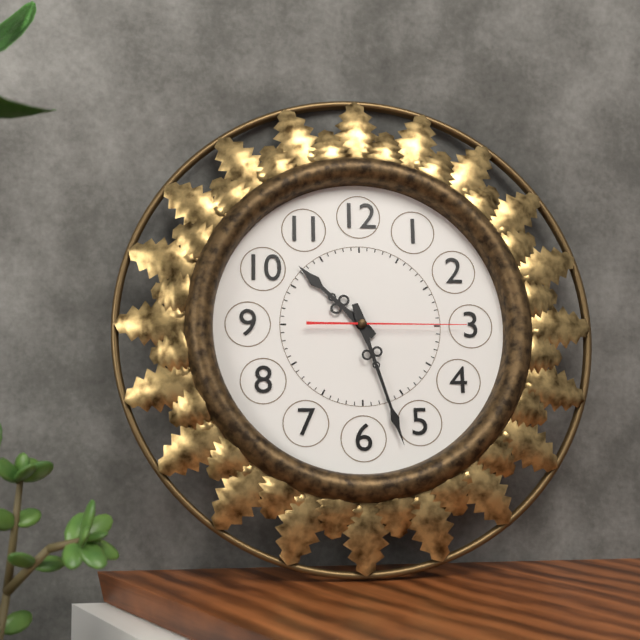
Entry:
10.27.15
